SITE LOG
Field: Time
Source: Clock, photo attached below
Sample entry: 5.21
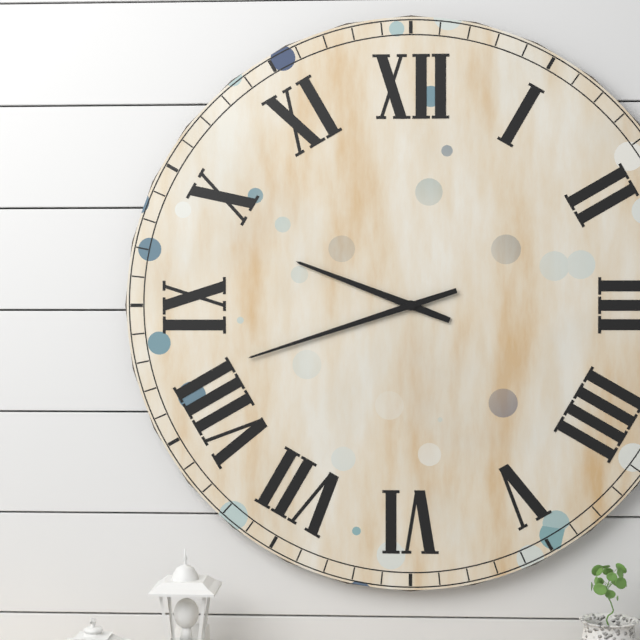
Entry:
9.42
